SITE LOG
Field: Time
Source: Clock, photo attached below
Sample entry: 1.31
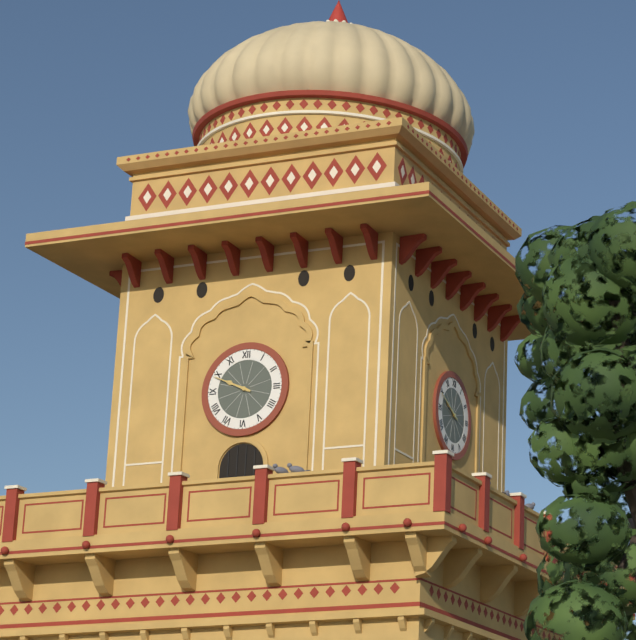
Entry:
9.49
